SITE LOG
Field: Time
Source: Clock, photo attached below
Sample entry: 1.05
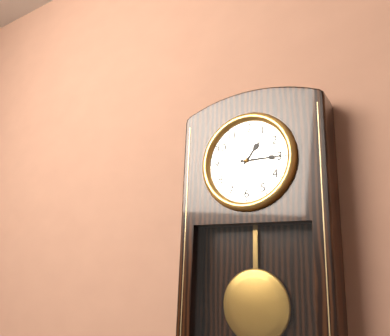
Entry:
1.15
